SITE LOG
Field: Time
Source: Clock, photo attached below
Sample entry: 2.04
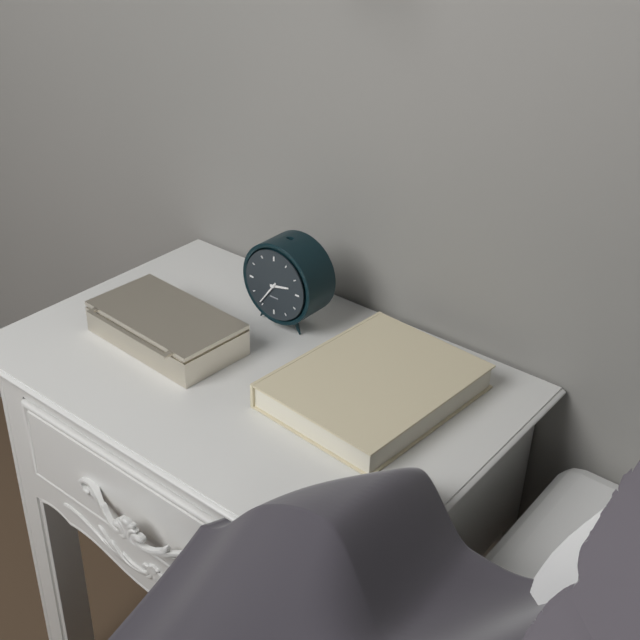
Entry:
2.36
